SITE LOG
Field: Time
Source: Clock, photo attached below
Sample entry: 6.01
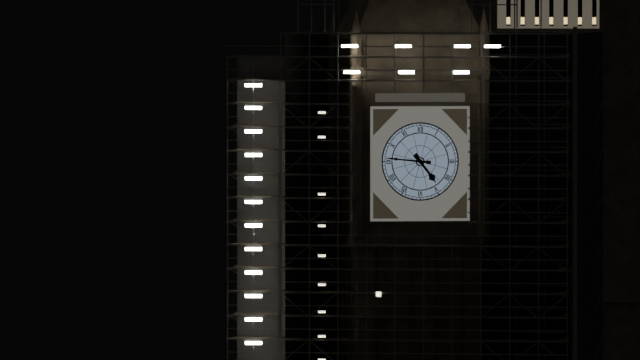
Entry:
4.46
